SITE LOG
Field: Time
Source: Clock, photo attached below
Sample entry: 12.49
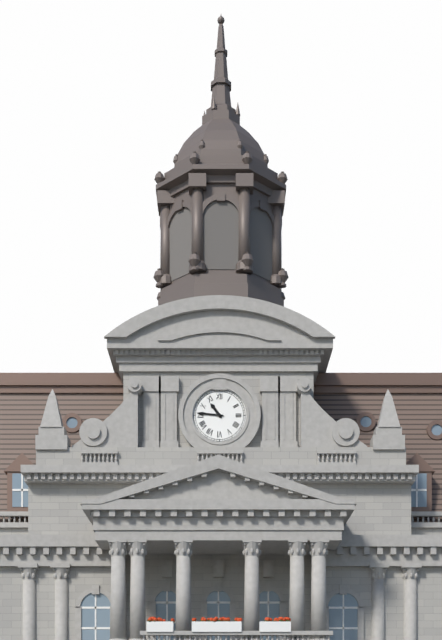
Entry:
10.46
